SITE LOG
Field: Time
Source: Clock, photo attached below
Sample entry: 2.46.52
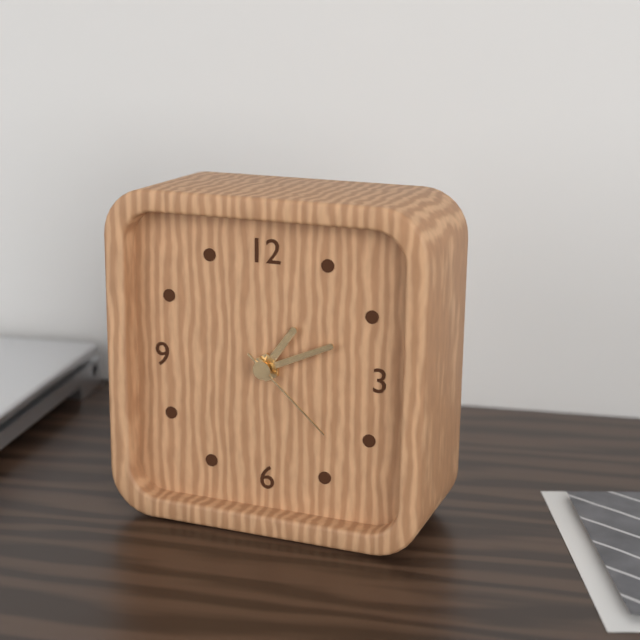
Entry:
1.11.22
